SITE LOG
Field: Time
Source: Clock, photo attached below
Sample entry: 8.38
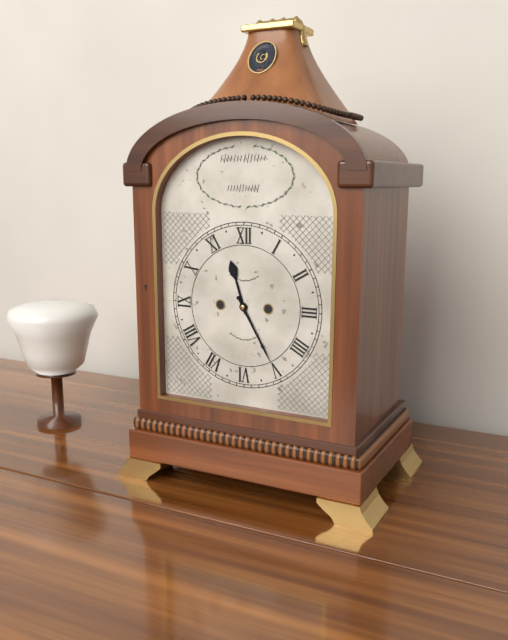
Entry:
11.25
